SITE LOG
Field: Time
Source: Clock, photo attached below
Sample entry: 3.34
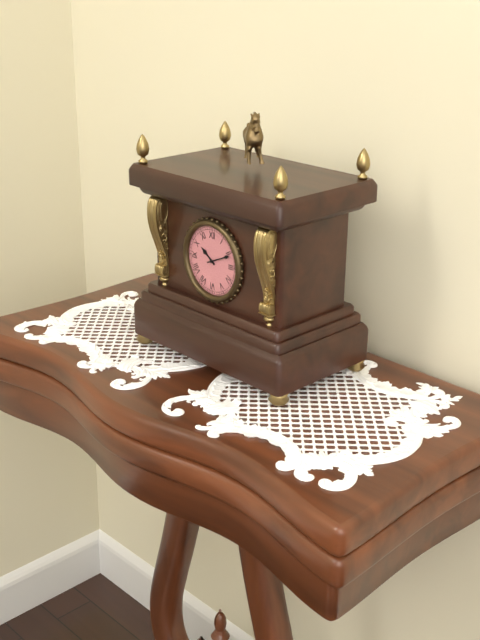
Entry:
10.11
